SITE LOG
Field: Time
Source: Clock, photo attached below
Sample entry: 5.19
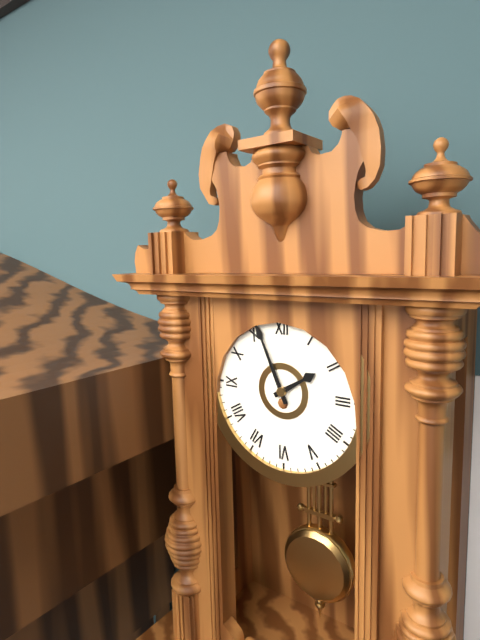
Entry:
1.56
